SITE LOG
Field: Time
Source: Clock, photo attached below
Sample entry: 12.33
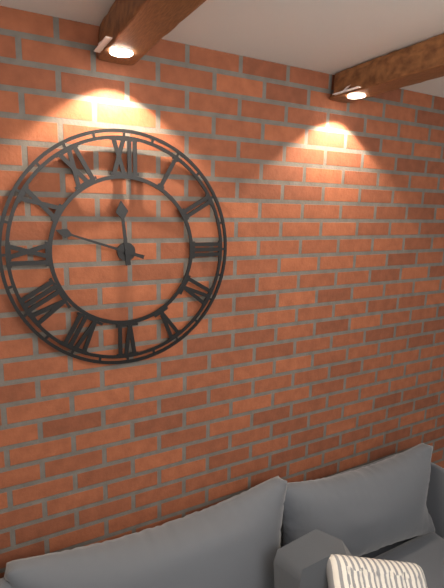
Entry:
11.48
